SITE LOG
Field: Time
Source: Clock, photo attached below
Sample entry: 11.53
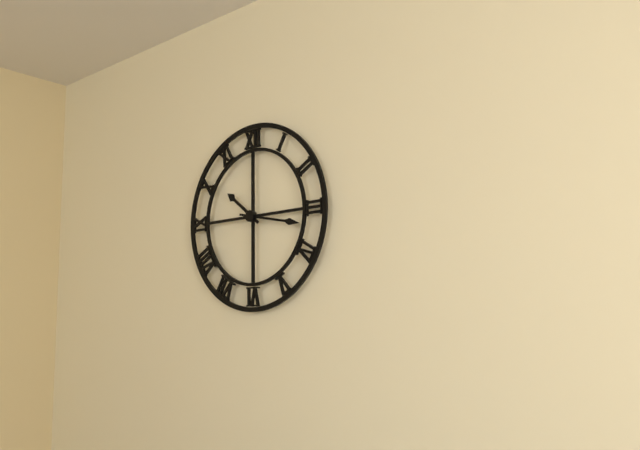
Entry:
10.17
